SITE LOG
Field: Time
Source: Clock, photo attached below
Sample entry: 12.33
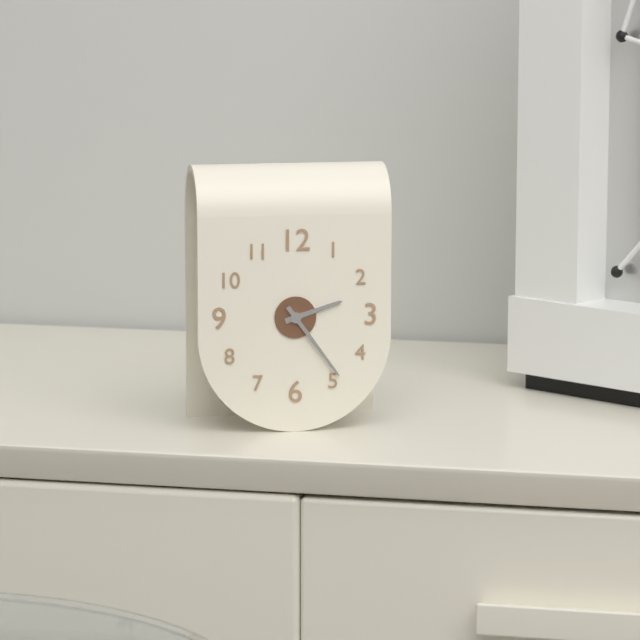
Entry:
2.24
